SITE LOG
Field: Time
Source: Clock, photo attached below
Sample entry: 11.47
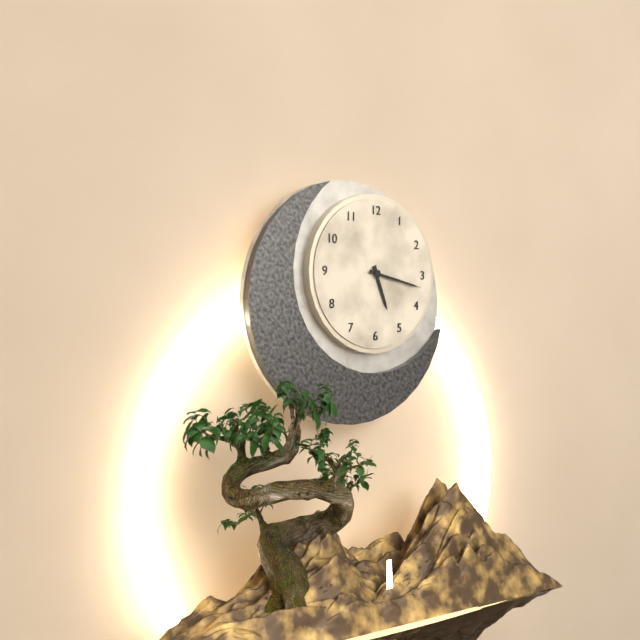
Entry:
5.17
